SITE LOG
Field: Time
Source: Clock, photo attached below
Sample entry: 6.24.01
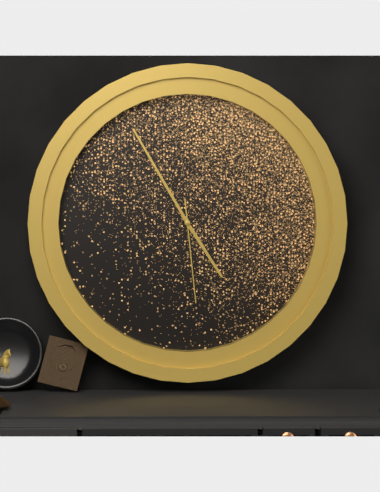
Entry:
4.55.29
